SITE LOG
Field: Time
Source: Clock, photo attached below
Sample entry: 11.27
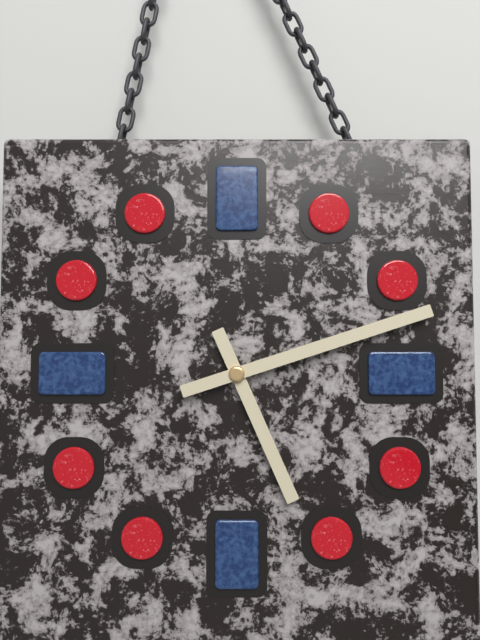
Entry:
5.12
